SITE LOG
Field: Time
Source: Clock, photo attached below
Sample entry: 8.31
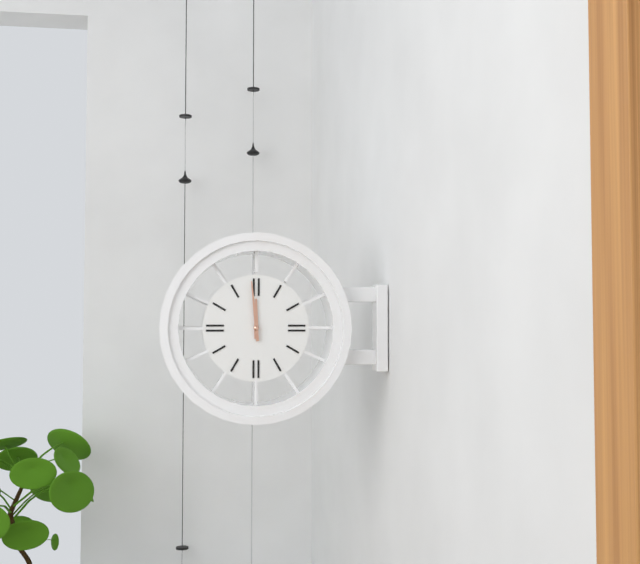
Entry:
11.59
